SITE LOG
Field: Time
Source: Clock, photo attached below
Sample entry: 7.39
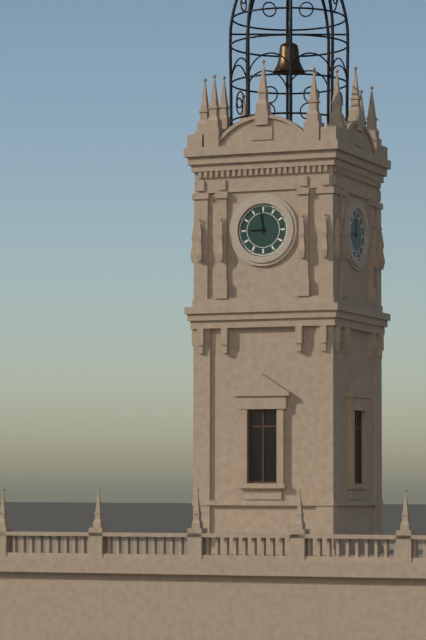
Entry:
8.59
